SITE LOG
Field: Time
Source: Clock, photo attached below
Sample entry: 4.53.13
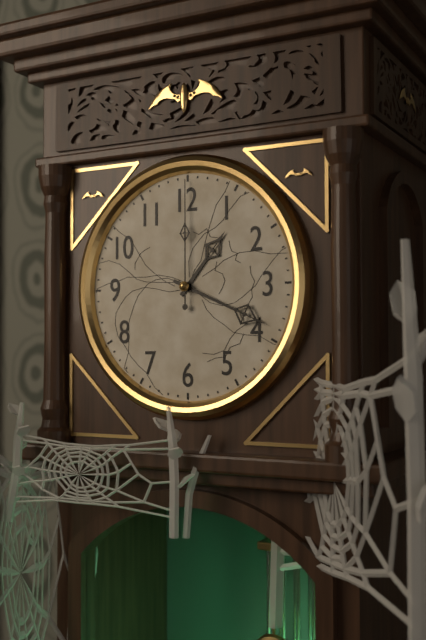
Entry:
1.19.00
